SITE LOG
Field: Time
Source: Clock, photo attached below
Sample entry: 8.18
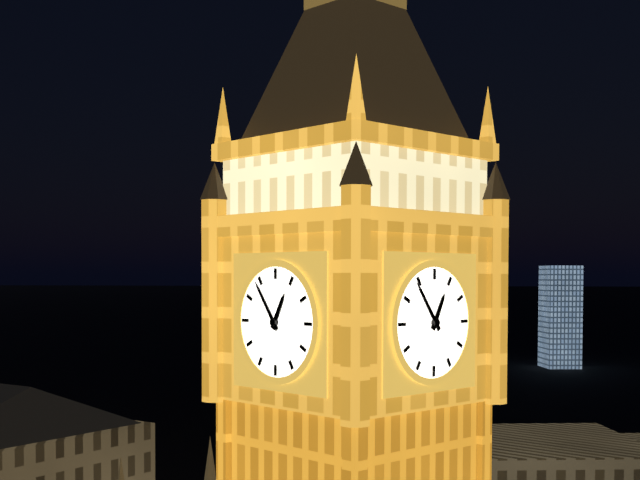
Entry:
12.54
